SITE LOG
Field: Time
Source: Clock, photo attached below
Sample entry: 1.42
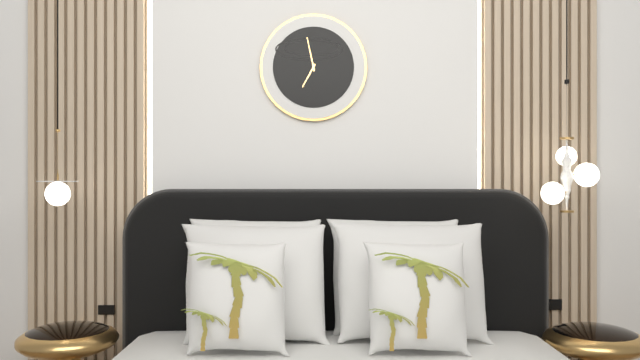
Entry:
6.58
